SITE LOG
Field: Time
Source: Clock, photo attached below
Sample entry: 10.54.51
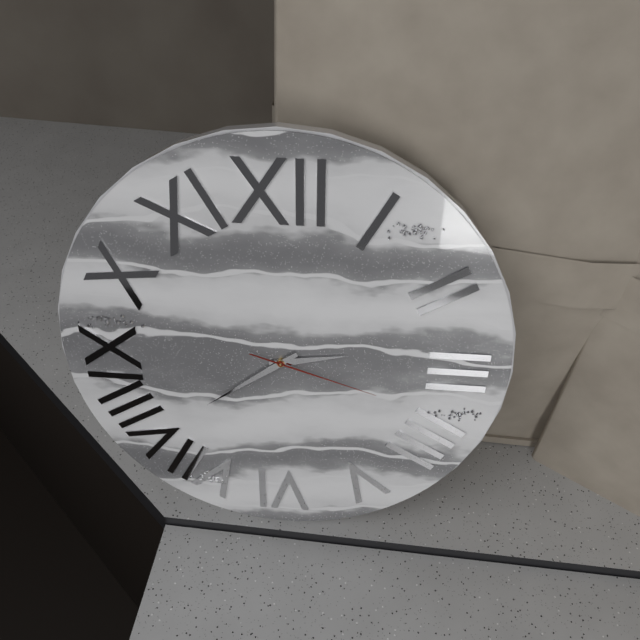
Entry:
2.39.18
